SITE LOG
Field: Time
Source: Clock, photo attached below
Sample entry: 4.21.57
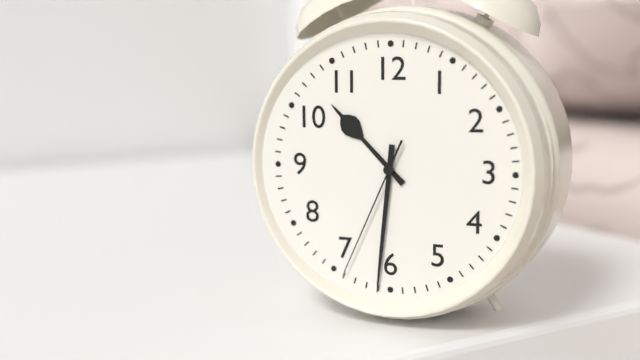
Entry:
10.31.34
